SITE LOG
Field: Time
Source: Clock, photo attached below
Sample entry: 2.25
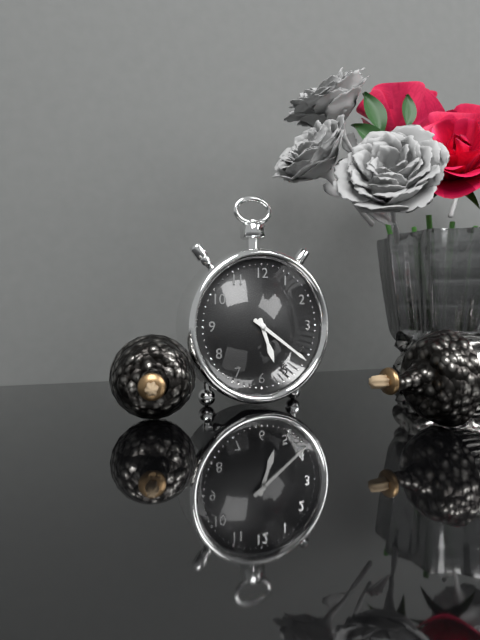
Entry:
5.21
